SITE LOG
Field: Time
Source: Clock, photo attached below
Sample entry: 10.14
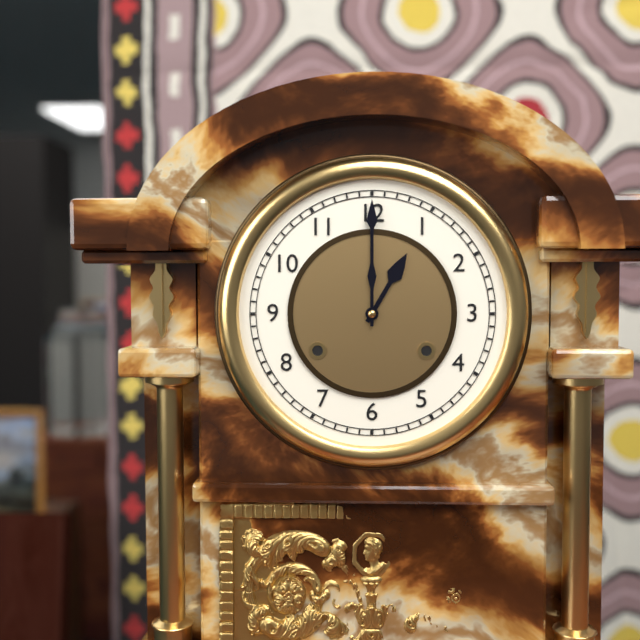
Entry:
1.00
